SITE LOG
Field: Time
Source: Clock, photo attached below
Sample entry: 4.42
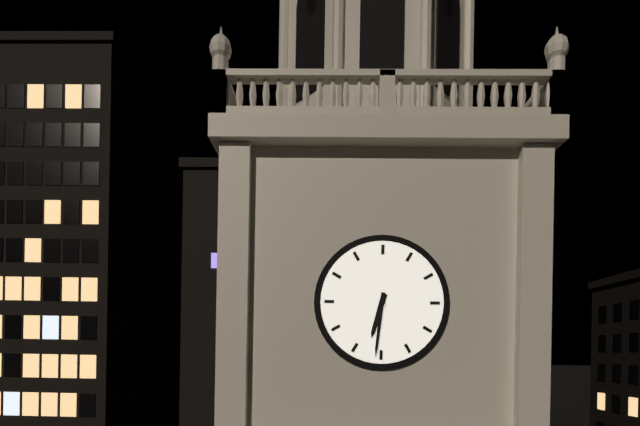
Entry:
6.31
